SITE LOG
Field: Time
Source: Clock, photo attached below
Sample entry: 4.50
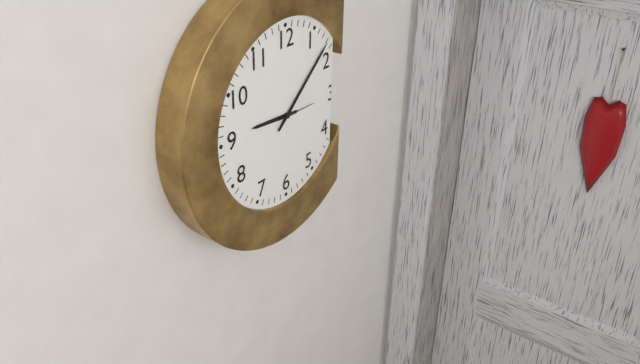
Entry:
9.08
